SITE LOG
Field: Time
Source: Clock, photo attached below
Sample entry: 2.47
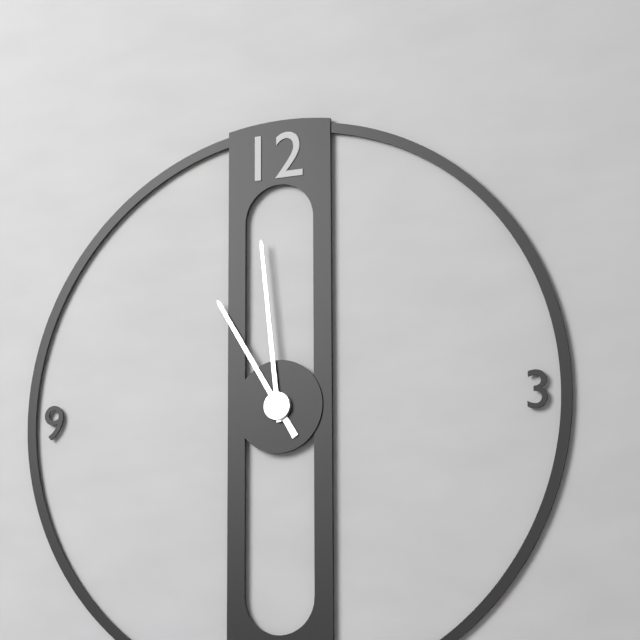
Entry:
10.59
